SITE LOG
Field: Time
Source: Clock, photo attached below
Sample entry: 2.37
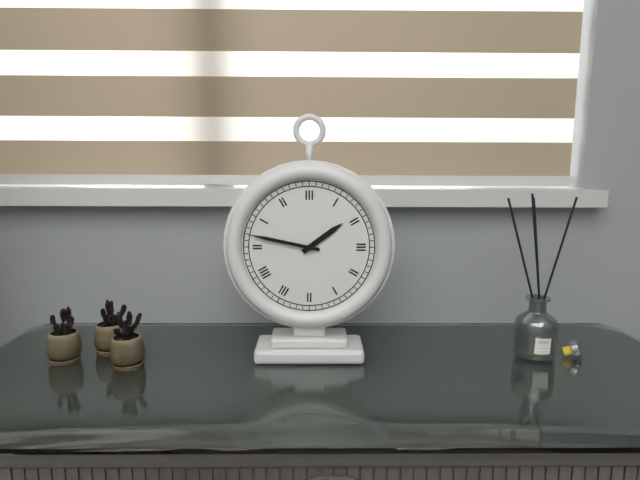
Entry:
1.47
